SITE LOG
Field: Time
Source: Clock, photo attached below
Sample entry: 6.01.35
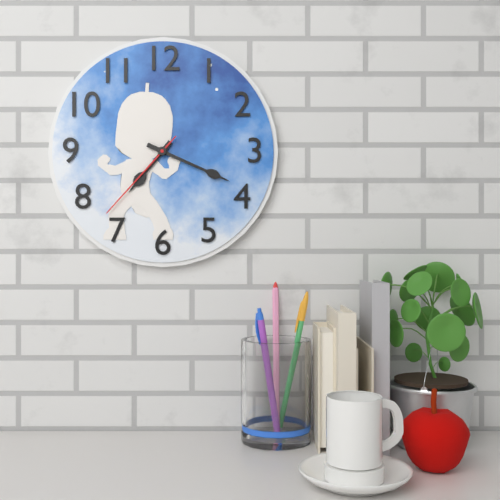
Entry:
7.19.37
